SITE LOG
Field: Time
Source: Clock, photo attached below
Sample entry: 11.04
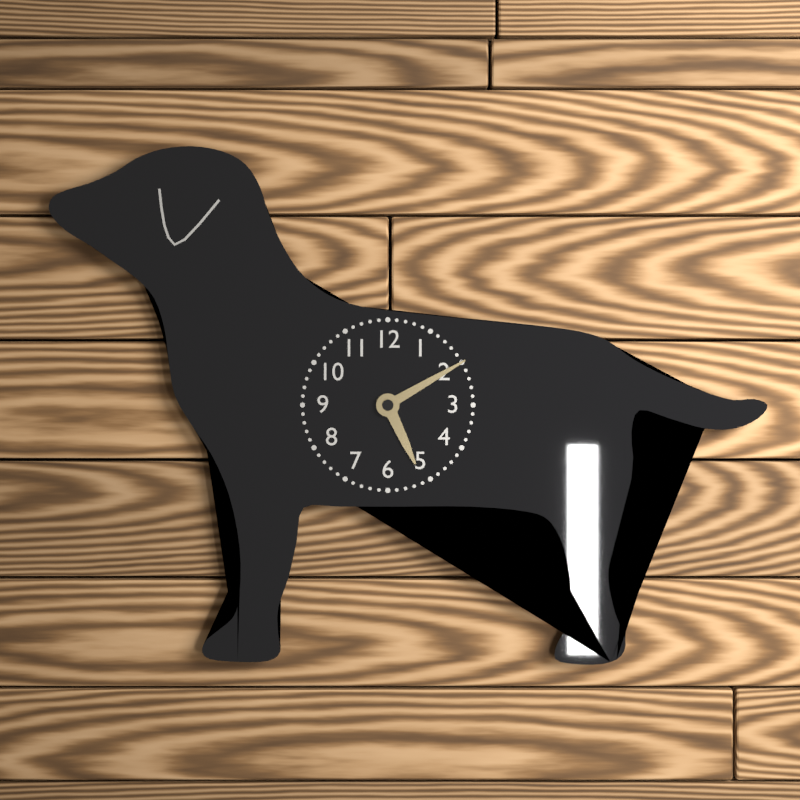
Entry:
5.10
